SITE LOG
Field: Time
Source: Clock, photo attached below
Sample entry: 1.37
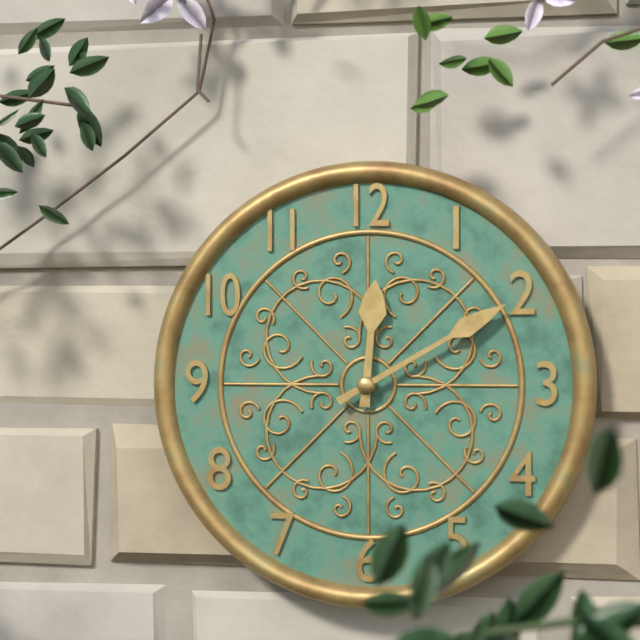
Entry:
12.10
